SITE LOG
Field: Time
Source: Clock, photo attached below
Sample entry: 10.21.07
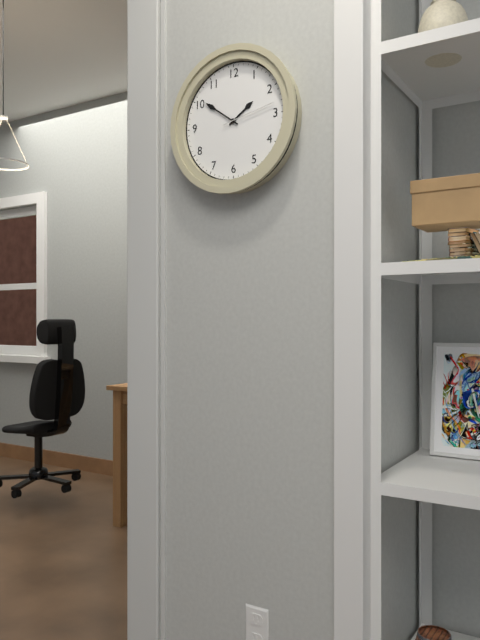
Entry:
1.51.13
